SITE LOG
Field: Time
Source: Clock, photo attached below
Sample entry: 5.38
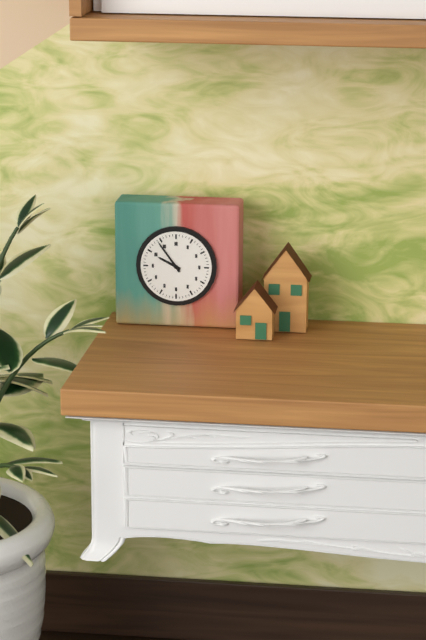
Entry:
9.54
